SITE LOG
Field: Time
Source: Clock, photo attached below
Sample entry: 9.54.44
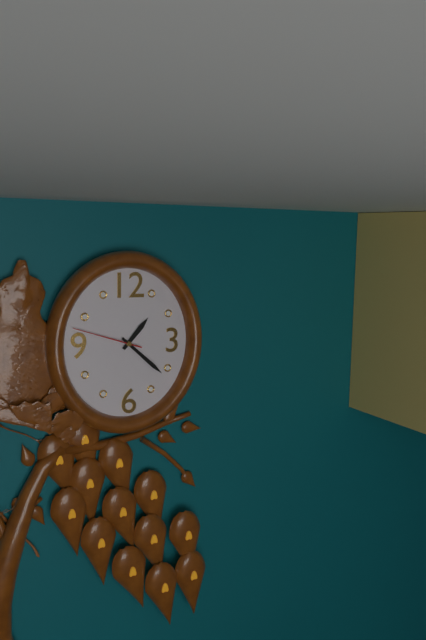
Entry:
1.22.48
